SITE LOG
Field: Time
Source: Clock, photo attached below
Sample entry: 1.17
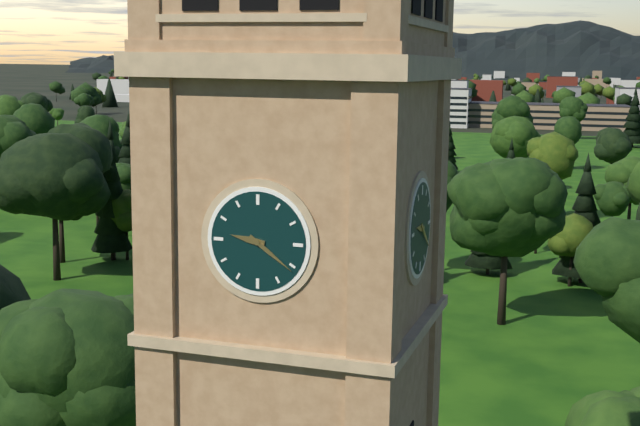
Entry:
9.21
